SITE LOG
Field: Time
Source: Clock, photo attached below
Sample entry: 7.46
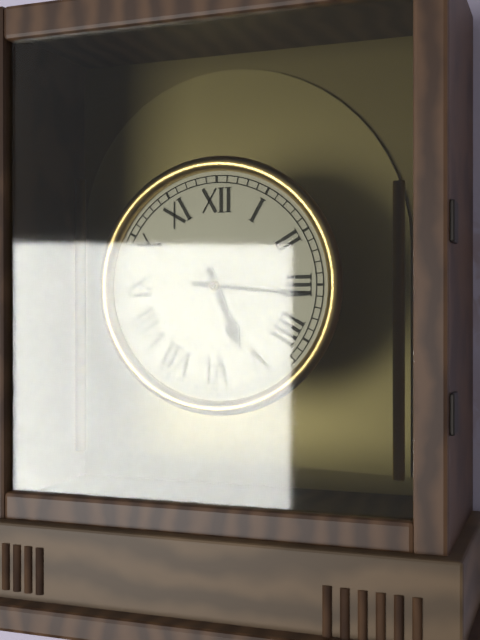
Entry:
5.16
